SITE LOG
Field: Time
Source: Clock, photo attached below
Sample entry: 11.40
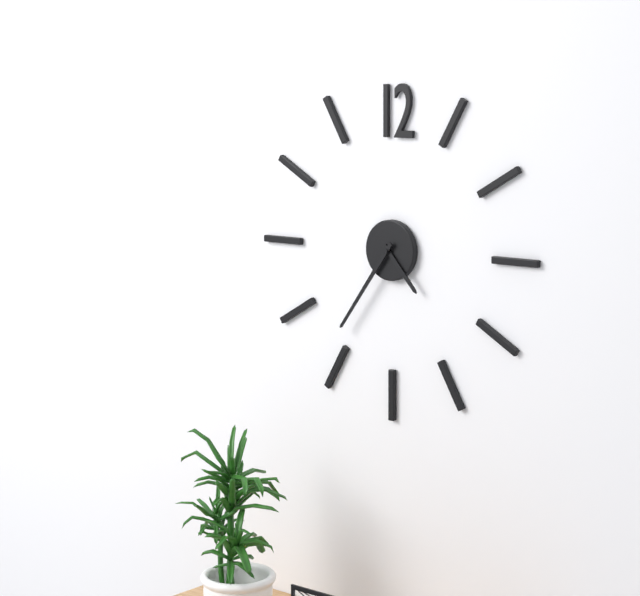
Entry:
4.36
